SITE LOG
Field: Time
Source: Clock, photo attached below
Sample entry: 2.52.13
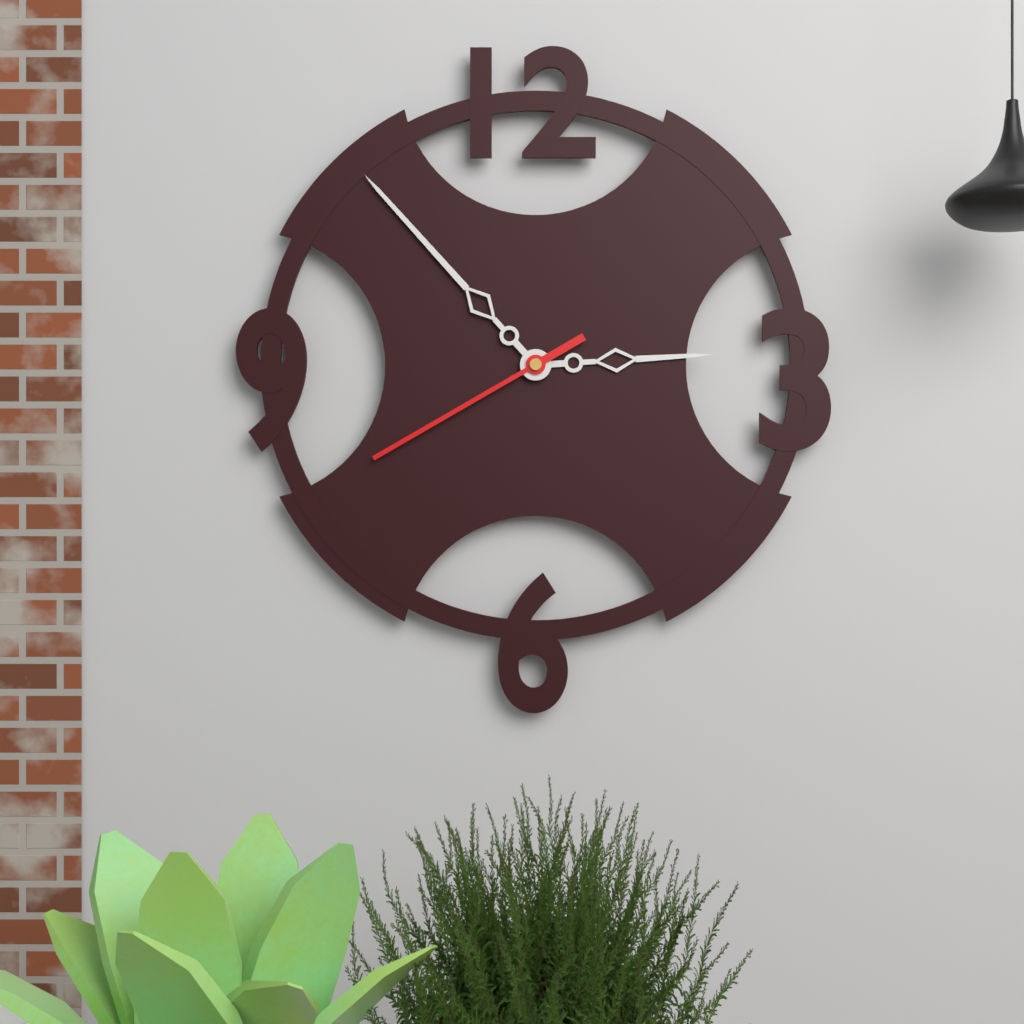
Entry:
2.53.40
